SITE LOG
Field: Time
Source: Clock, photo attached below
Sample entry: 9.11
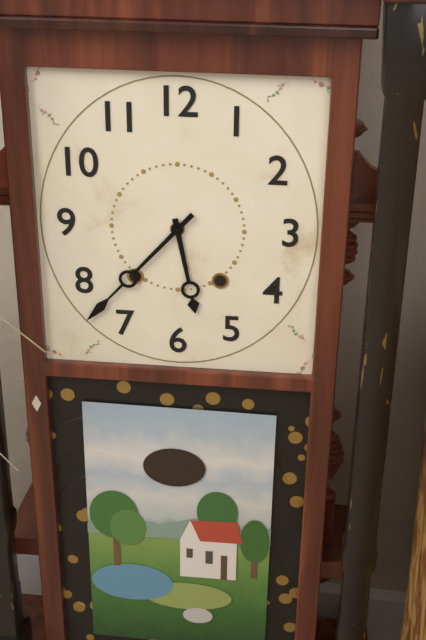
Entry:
5.37
